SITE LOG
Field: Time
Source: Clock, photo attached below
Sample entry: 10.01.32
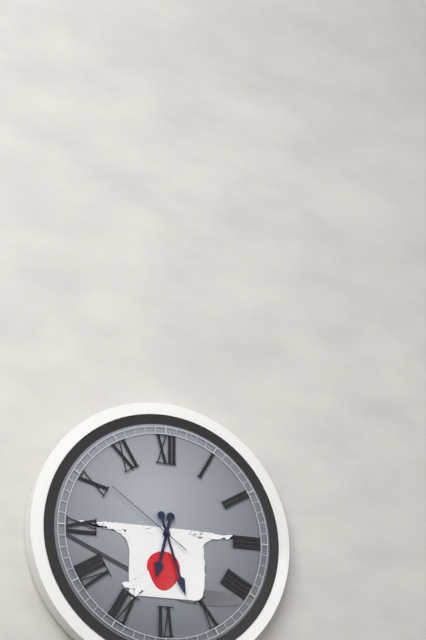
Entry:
6.27.51
